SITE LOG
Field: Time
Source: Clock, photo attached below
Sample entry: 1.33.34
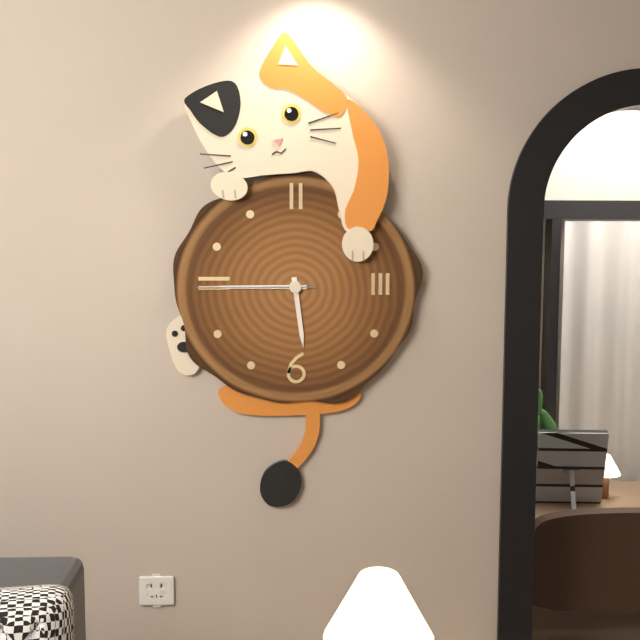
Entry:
5.45.45
